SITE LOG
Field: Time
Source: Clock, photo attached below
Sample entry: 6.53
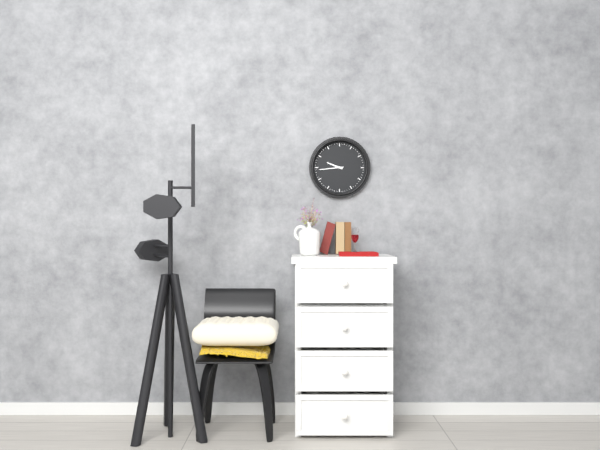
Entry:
9.44
